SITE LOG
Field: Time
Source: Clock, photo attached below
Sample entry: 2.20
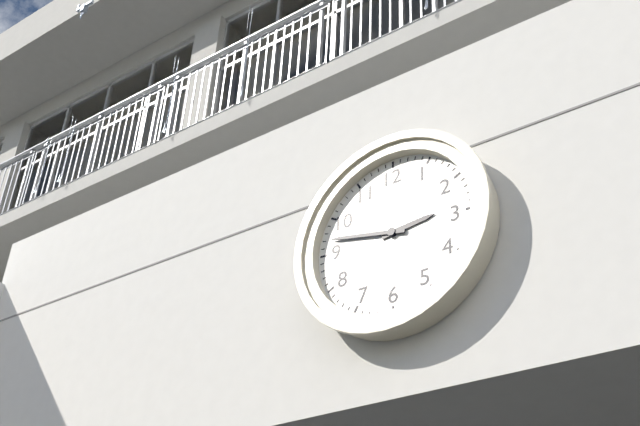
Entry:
2.47
